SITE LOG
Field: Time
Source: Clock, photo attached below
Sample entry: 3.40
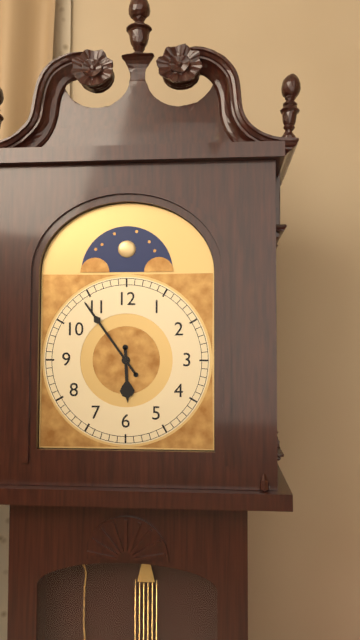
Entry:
5.54
